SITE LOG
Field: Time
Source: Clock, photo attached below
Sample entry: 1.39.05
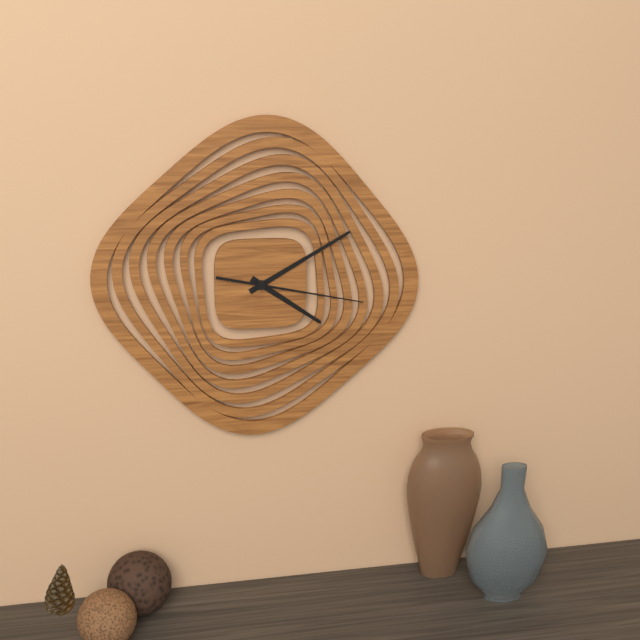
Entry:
4.10.17
